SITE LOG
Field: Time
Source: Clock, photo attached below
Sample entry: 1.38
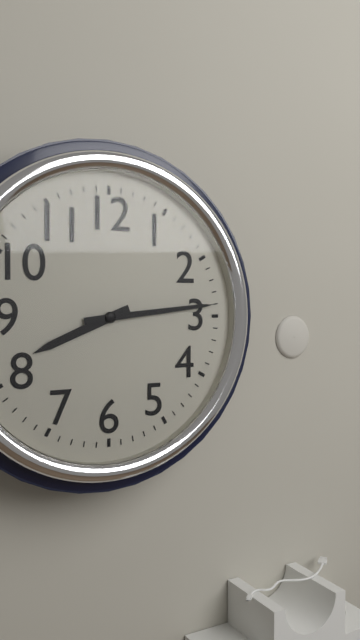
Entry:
8.14
